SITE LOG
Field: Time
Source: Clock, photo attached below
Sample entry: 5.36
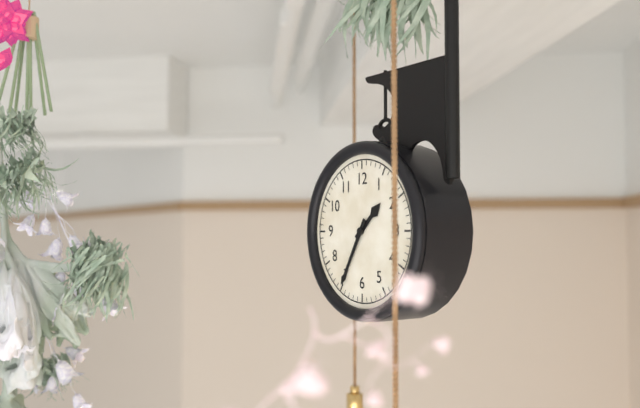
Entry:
1.35
